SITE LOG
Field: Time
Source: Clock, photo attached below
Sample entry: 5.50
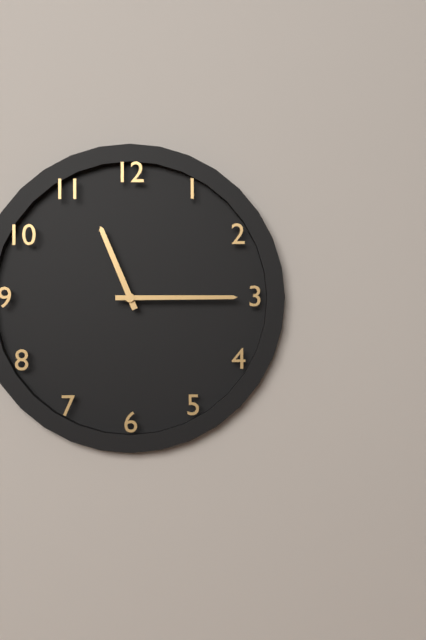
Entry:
11.15
